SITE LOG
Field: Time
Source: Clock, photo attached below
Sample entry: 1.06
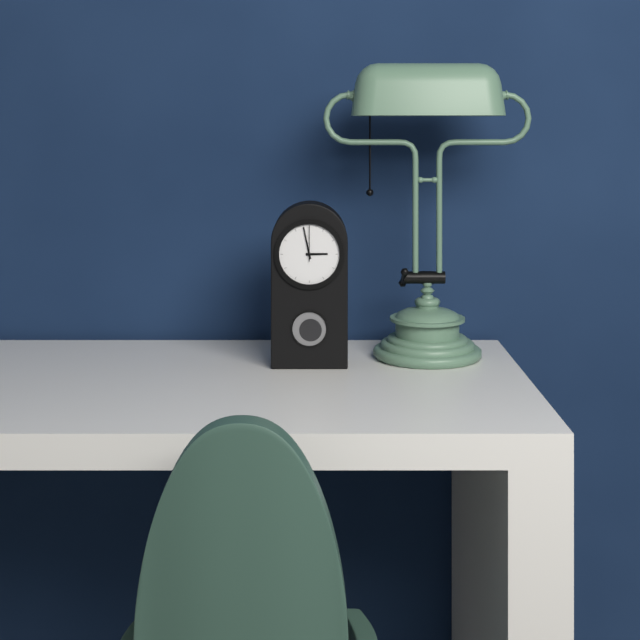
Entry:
2.58
